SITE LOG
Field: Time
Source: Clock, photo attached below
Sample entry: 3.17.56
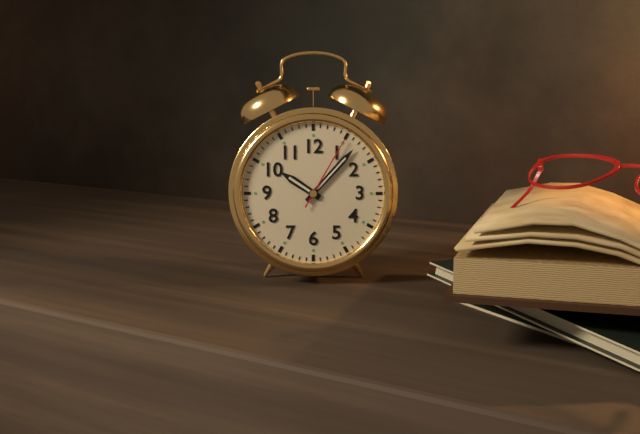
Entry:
10.07.05
